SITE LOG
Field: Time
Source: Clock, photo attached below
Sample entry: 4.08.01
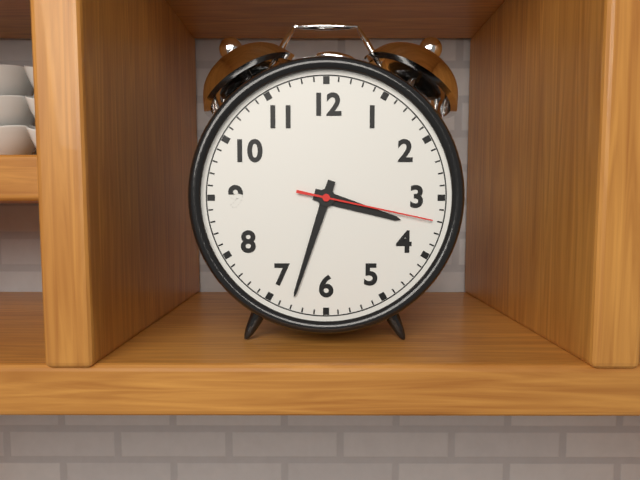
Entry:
3.33.17
